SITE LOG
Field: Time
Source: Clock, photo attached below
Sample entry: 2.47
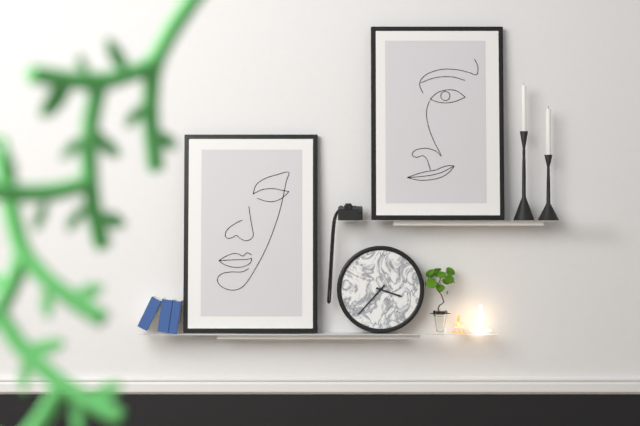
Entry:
3.37
